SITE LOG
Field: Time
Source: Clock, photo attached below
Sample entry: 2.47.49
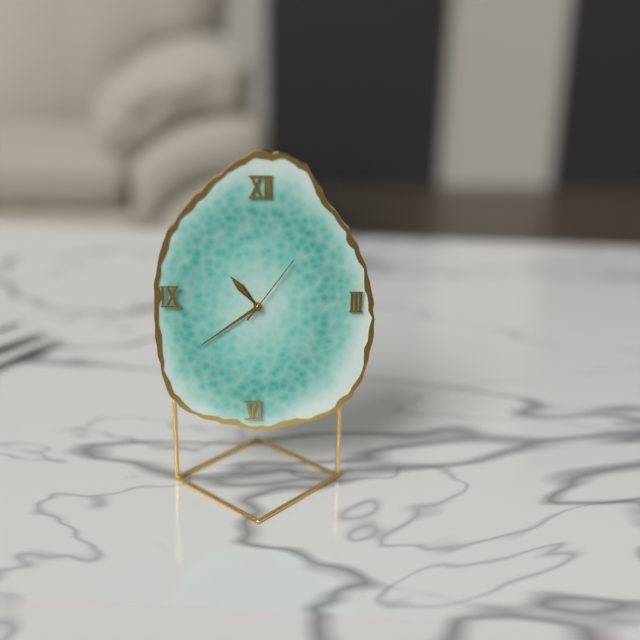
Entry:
10.39.06
